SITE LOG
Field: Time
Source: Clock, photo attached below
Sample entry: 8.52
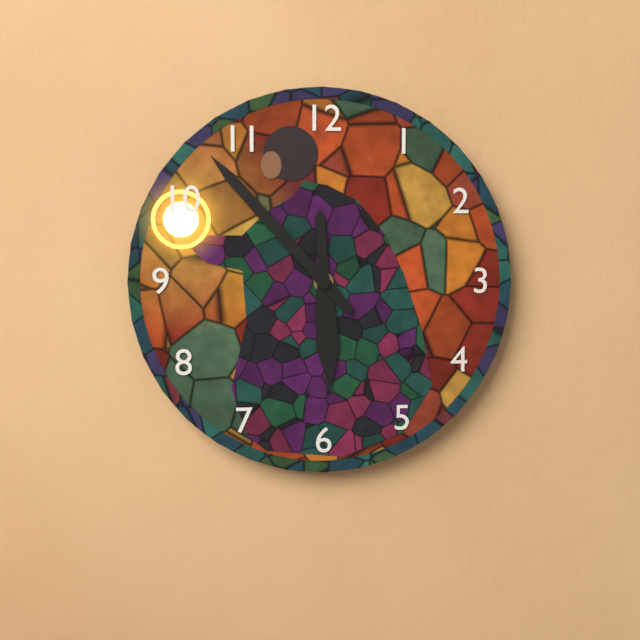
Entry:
5.53
